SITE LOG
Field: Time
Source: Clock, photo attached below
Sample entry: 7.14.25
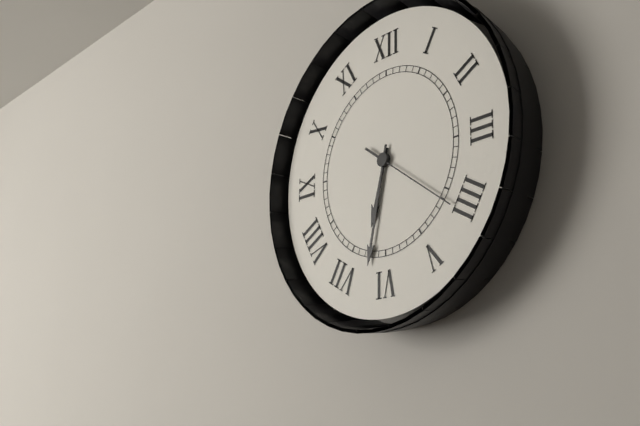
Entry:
6.32.21
